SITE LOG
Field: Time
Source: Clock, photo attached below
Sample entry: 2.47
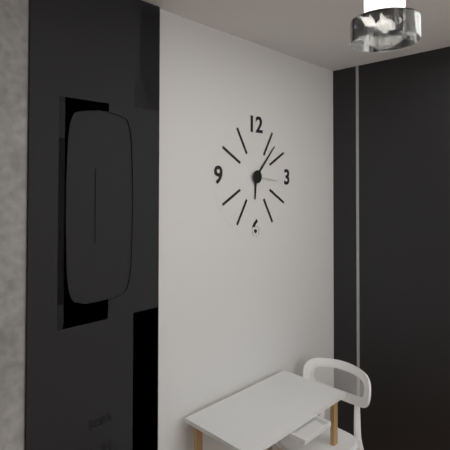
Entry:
6.07
